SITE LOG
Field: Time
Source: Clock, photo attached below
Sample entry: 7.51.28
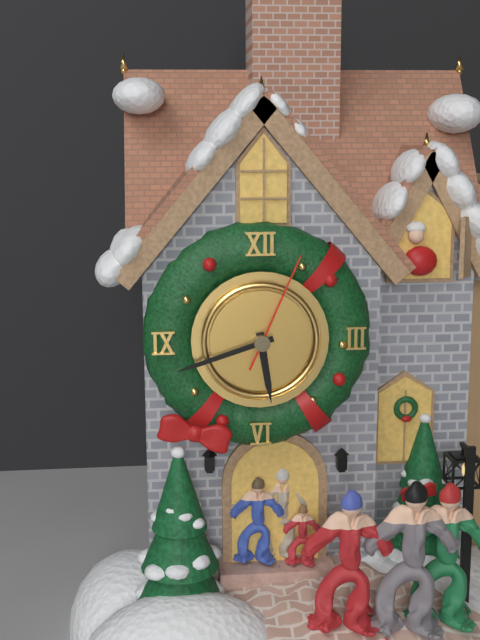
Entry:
5.42.04
